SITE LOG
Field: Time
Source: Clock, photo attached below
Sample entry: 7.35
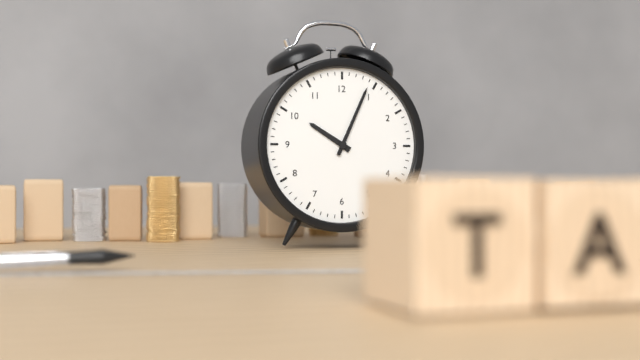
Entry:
10.04
